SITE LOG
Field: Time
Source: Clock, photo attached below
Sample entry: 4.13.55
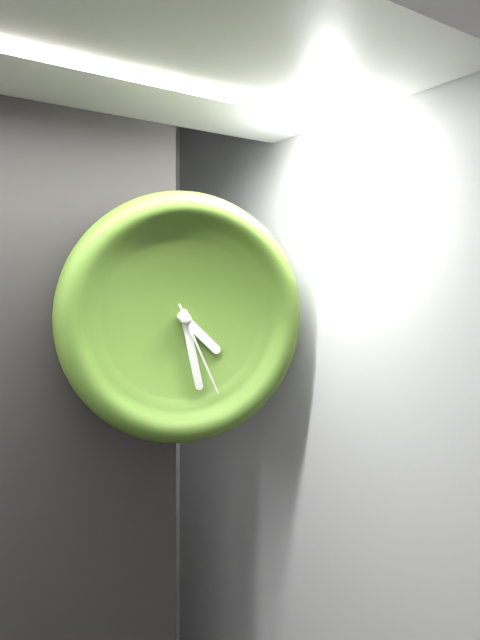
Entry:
4.28.26
